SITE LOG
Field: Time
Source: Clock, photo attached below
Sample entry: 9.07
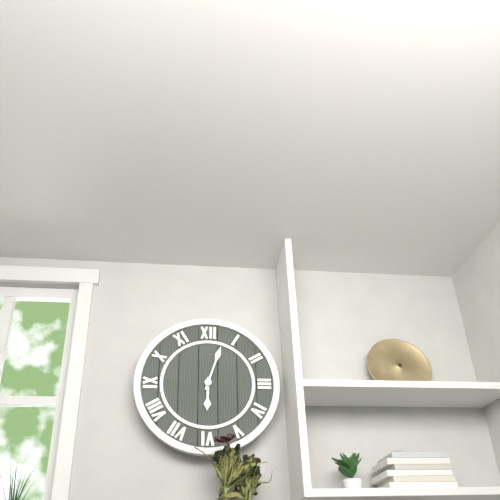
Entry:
6.03
